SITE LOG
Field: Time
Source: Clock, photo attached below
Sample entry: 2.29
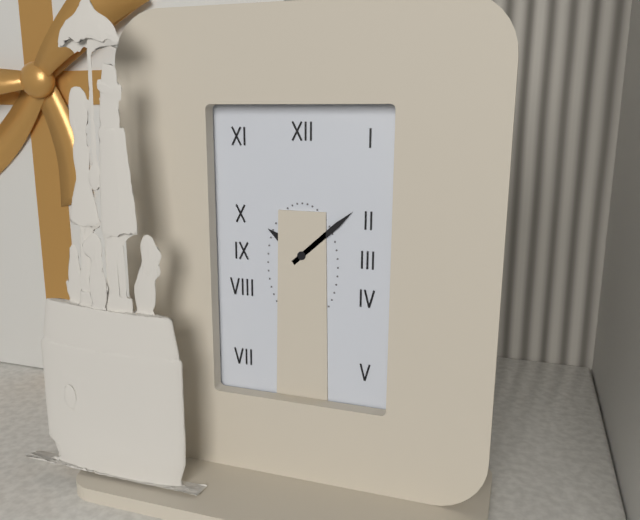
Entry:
10.08
